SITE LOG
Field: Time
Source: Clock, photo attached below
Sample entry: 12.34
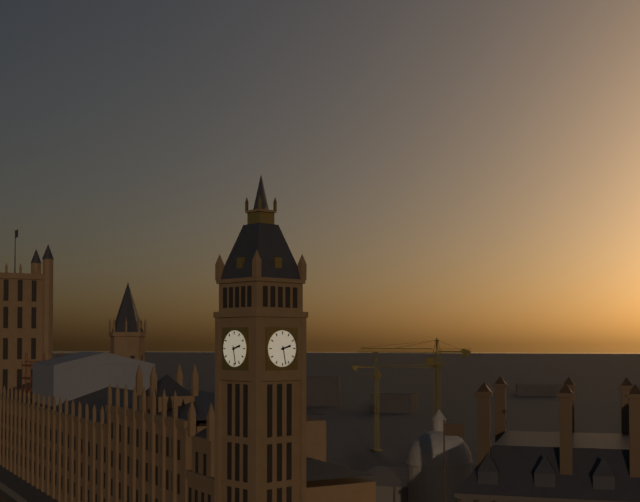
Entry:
2.28
